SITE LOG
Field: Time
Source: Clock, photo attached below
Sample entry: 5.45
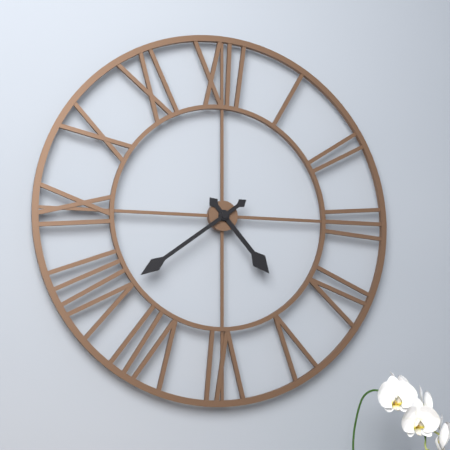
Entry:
4.39
